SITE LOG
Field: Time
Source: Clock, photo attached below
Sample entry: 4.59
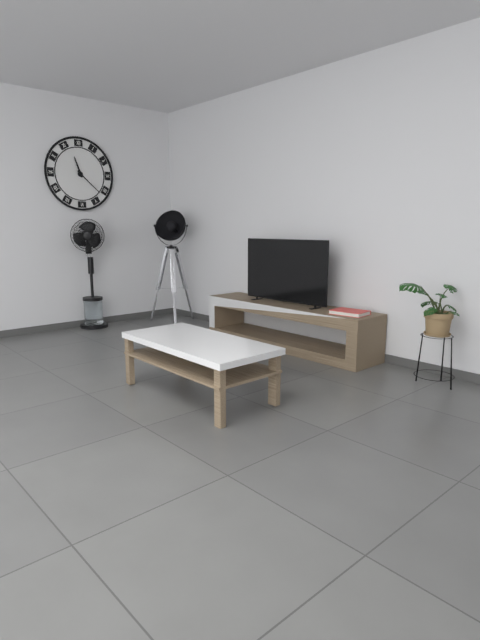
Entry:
11.22
